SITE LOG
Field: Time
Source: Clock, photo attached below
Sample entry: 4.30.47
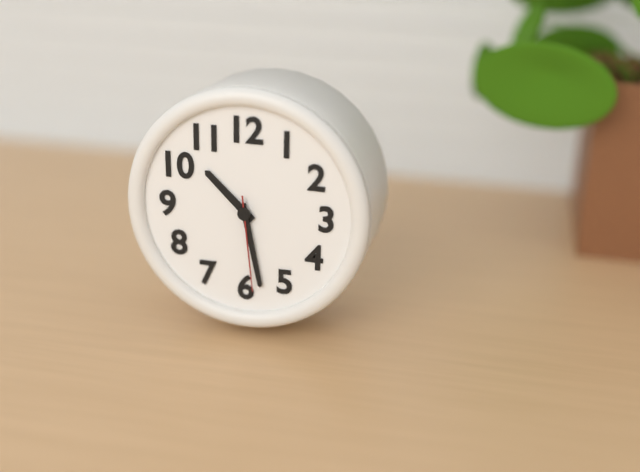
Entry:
10.28.29
